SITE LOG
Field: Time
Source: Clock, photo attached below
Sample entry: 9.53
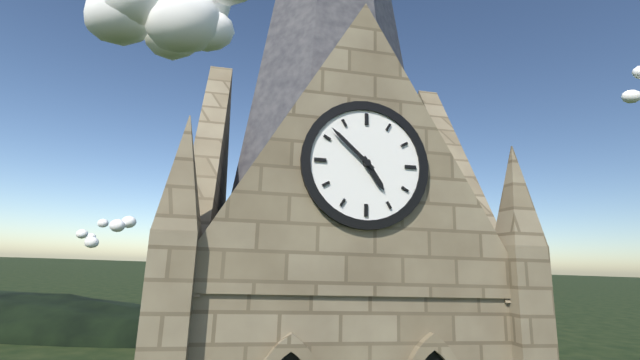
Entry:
4.52
